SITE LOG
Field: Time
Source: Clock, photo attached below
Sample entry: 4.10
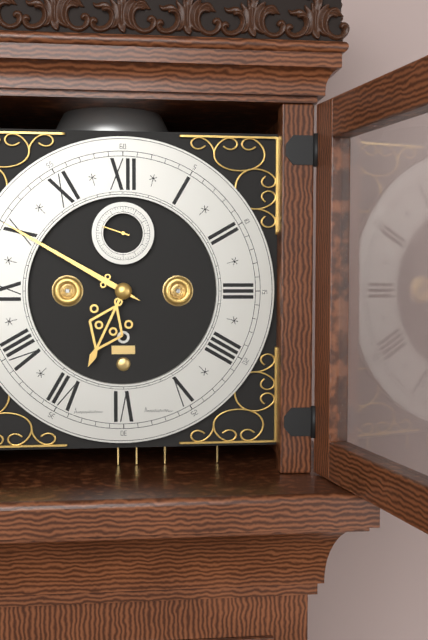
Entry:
6.50
